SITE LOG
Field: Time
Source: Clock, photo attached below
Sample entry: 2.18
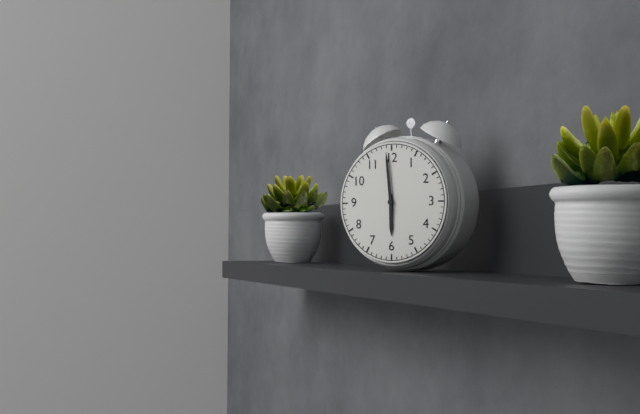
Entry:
5.59
